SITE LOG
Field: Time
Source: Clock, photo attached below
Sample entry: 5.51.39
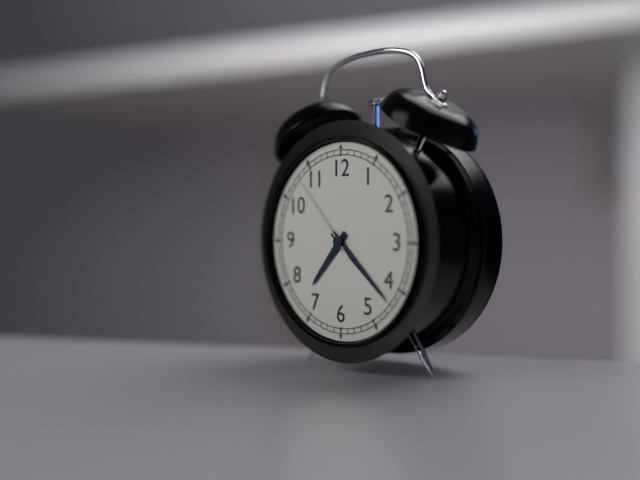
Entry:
7.22.53
